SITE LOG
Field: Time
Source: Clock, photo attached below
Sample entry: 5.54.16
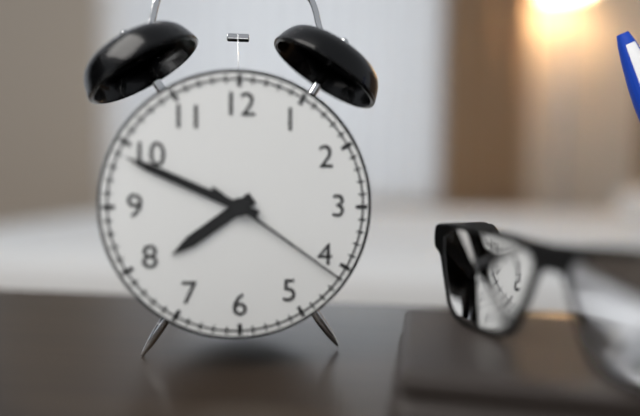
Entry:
7.49.21
